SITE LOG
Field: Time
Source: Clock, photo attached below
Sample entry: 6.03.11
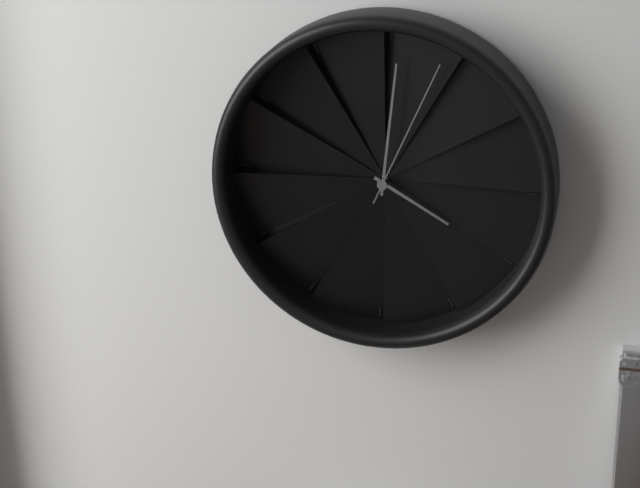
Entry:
4.01.04
